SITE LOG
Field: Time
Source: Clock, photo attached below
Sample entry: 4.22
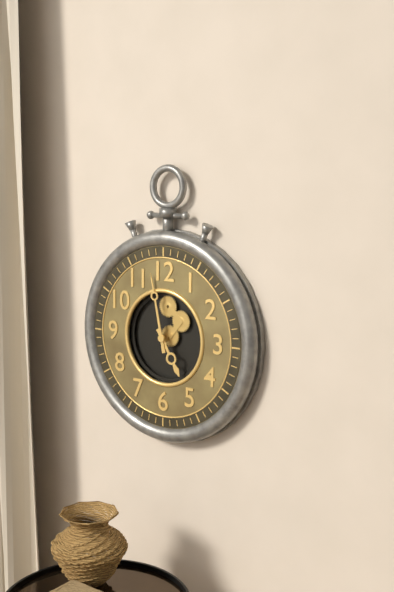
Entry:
4.58
